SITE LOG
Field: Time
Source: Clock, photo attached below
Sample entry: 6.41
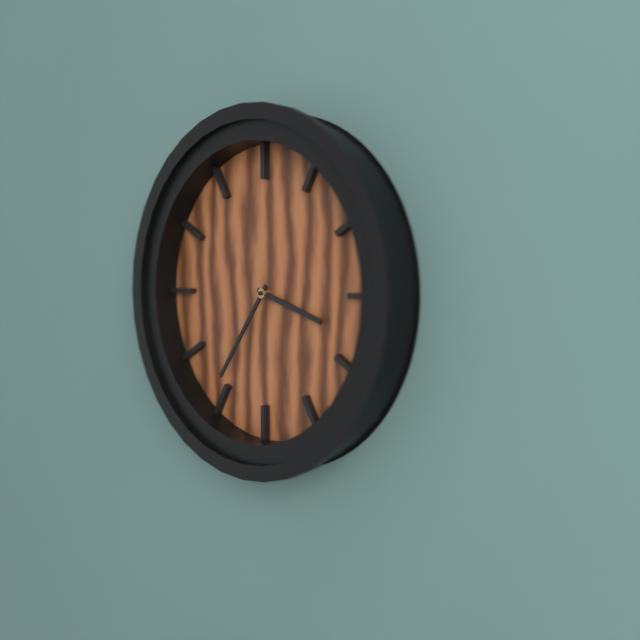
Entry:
3.36
